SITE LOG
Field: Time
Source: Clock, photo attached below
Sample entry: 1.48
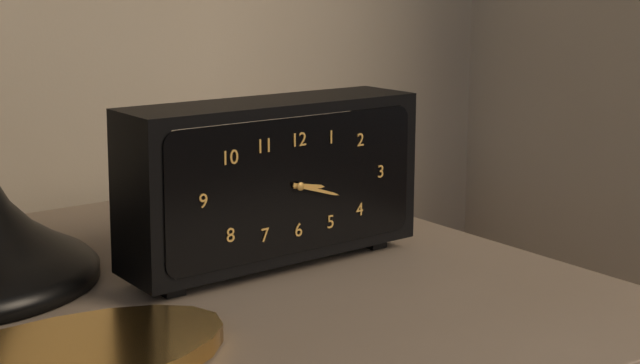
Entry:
3.18
